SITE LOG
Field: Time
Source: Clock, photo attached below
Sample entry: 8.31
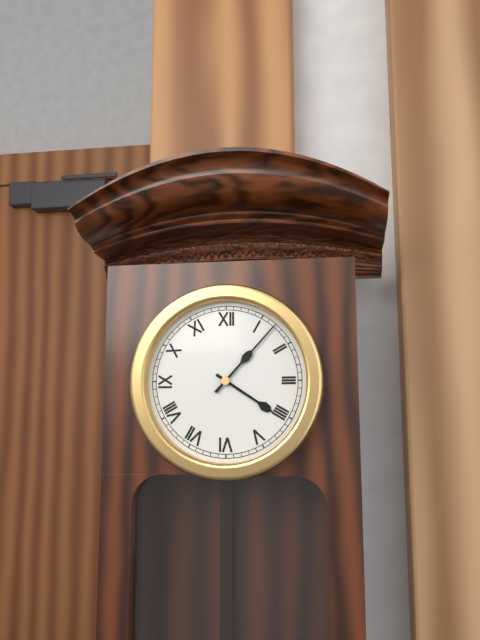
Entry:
4.07
